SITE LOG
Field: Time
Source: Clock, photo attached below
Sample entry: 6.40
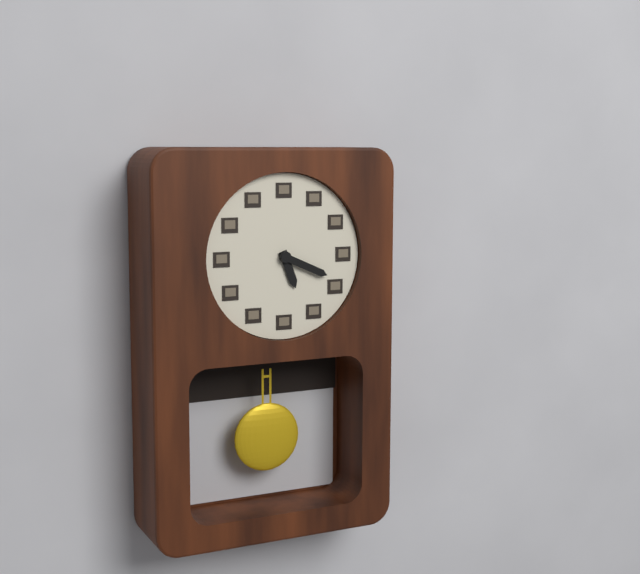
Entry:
5.19
